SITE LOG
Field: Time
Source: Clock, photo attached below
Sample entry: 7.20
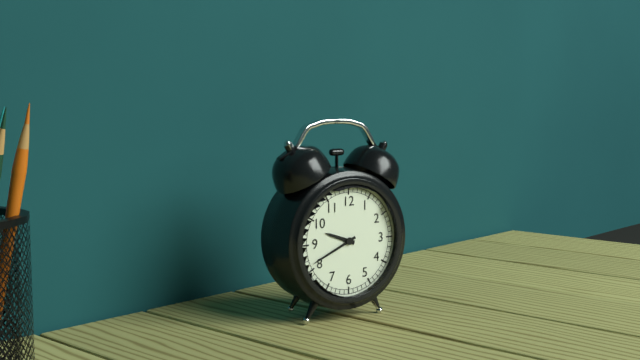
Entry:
9.41
